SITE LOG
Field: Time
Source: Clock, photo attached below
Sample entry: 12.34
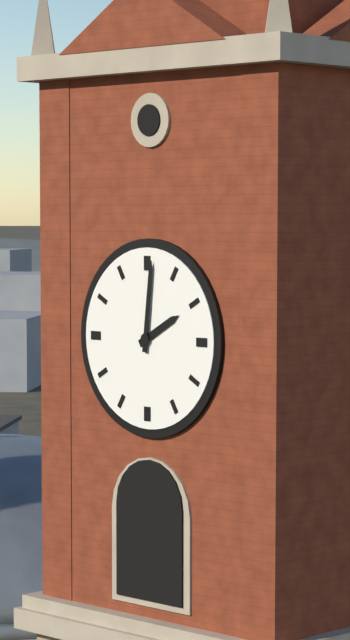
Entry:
2.01
